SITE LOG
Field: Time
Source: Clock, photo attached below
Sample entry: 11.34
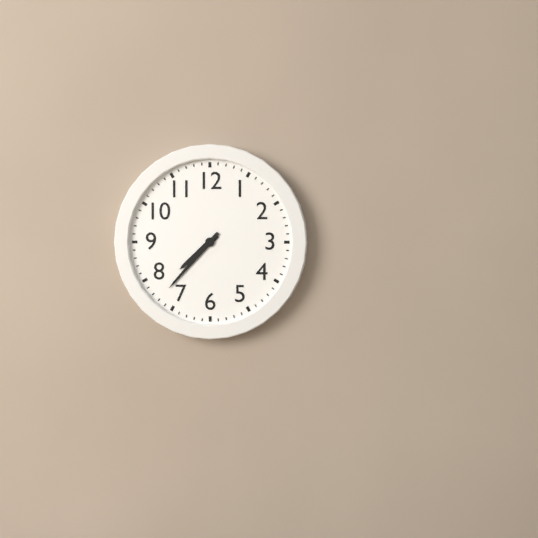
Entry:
7.37
